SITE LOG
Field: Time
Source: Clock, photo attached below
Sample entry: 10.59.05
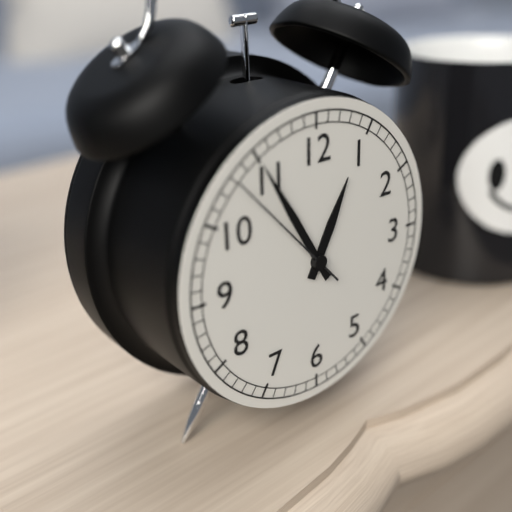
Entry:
12.55.53
